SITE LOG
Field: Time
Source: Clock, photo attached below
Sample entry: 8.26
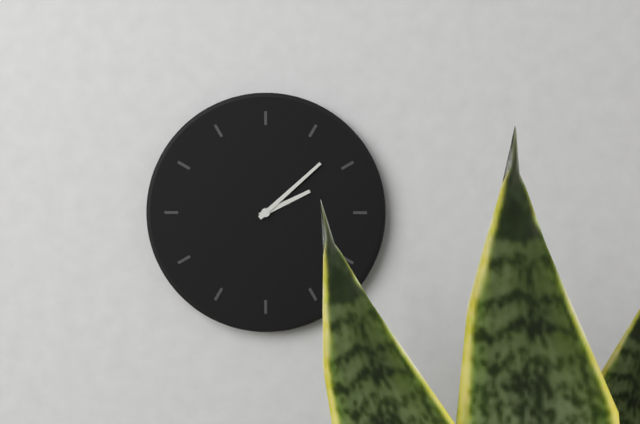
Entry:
2.08
